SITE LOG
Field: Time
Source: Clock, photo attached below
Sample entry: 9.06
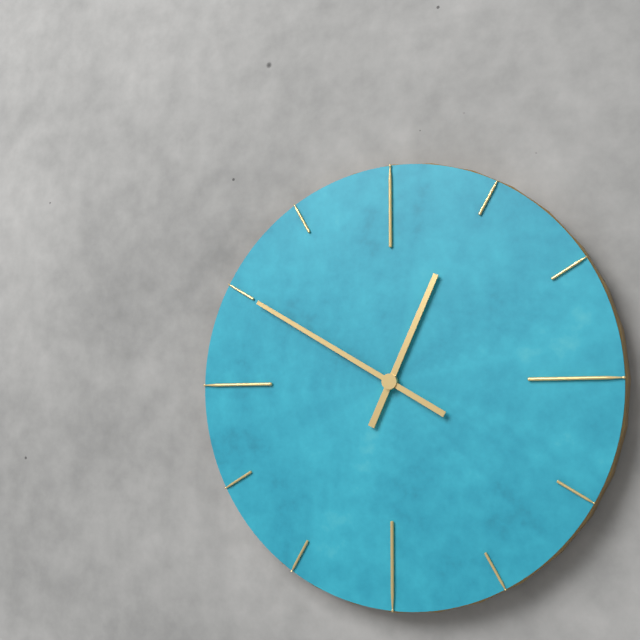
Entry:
12.50
